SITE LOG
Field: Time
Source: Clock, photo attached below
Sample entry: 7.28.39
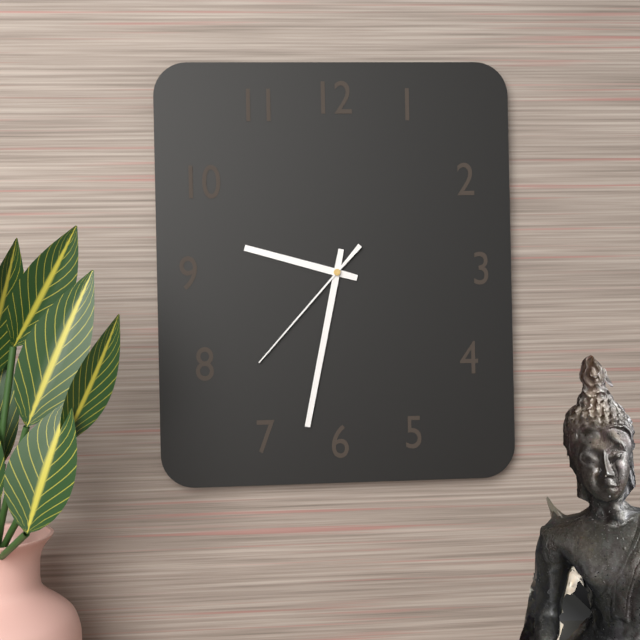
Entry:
9.32.37
